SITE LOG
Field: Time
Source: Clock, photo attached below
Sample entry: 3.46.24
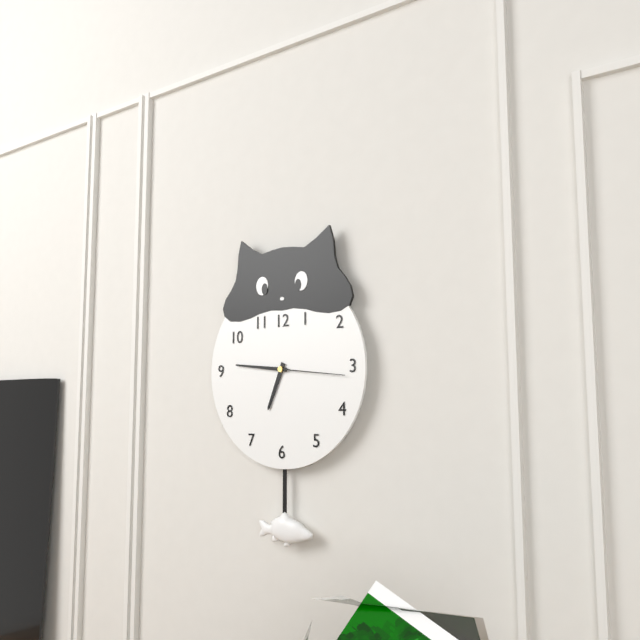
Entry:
6.46.16
